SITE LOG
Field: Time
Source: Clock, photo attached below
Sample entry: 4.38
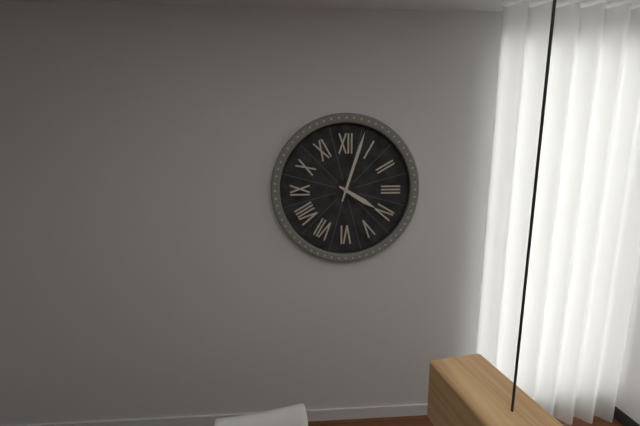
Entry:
4.03
